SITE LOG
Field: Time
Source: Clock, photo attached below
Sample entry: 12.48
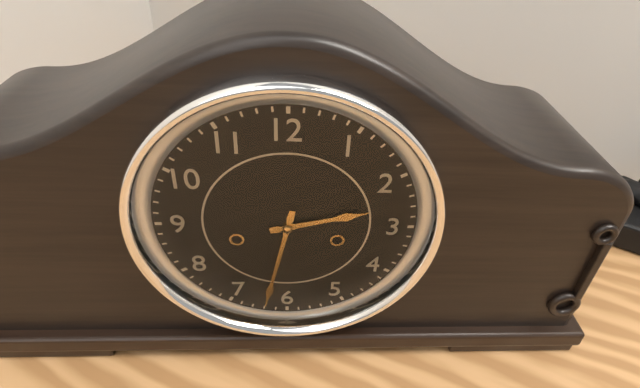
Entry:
2.32
